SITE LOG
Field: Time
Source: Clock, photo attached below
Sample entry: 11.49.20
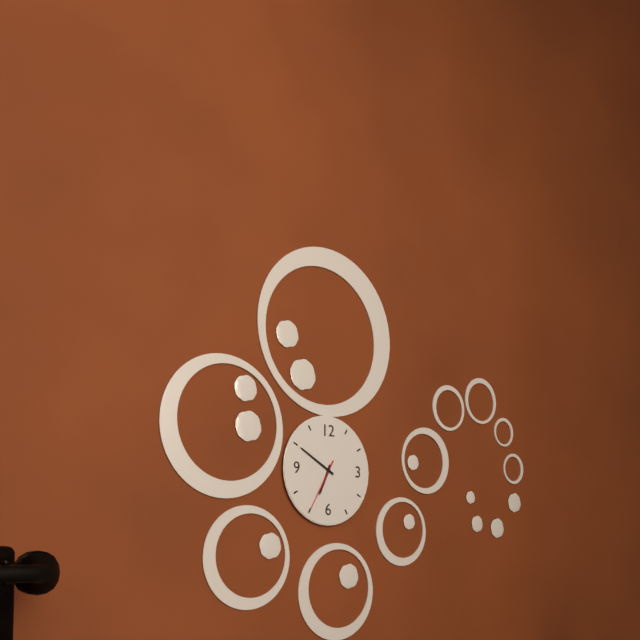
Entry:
6.50.35
